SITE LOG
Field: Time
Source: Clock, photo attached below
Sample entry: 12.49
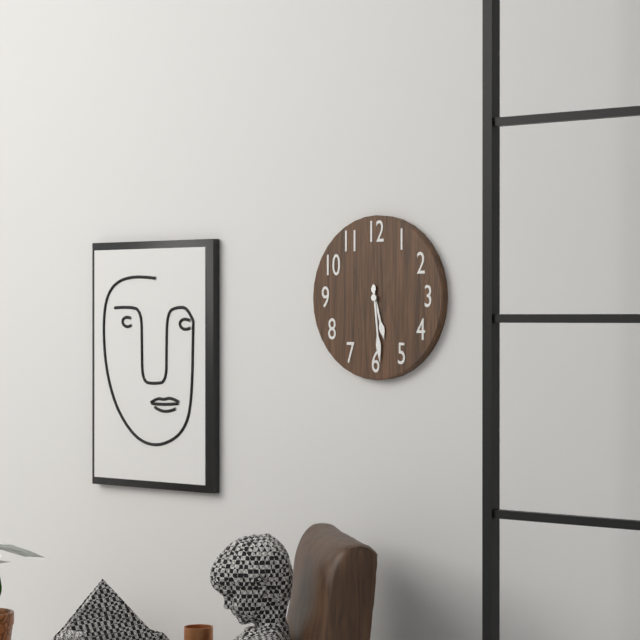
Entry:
5.29
